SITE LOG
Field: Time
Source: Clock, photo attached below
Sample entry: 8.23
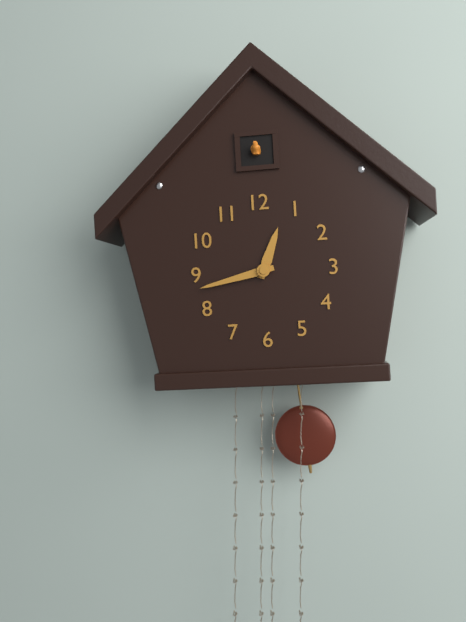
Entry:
12.43
